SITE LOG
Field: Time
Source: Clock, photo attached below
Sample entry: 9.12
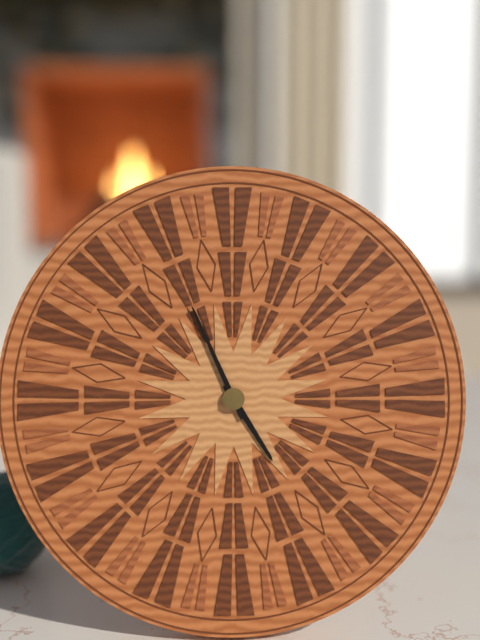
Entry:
4.56
